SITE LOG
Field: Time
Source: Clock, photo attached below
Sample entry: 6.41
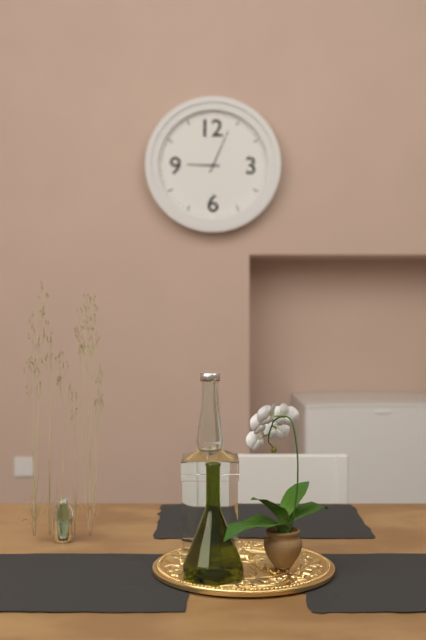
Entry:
9.04
